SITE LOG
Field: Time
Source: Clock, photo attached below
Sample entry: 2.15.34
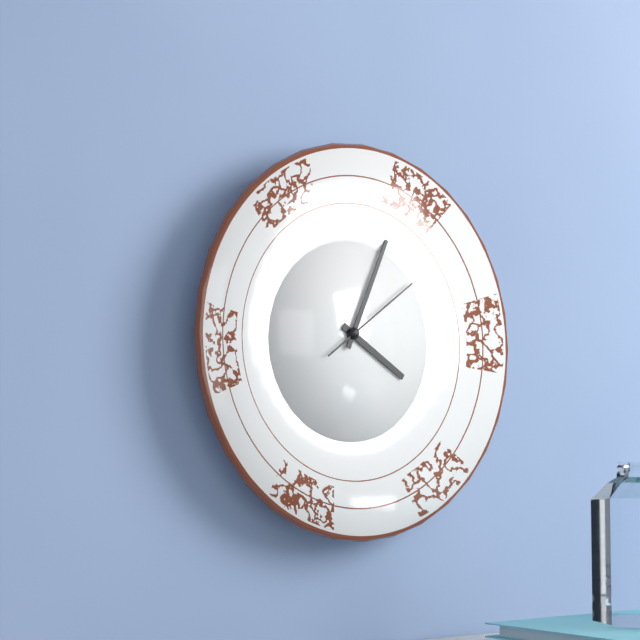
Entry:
4.04.09
